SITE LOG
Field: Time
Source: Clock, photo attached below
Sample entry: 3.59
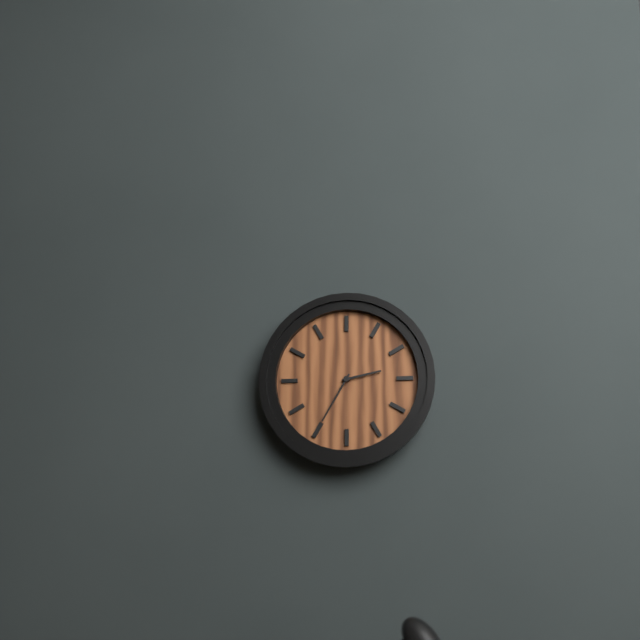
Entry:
2.35
